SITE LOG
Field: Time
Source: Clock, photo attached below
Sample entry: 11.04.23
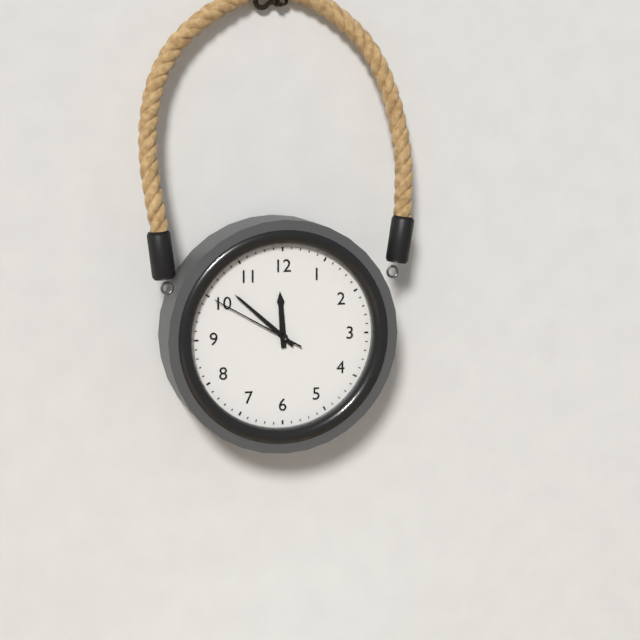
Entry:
11.52.50
